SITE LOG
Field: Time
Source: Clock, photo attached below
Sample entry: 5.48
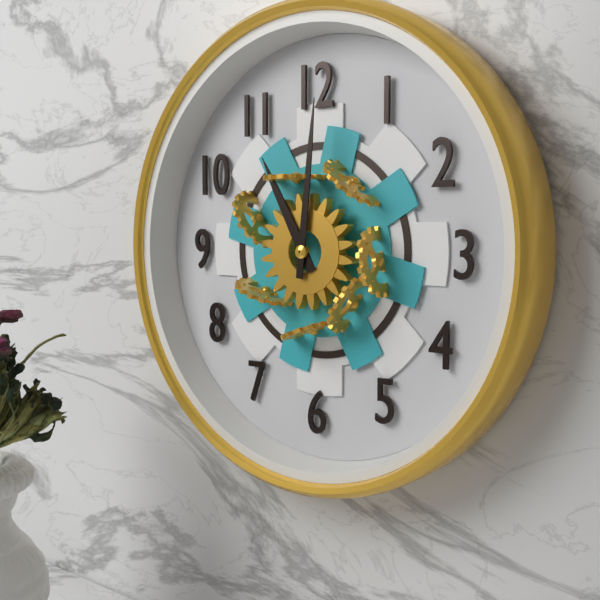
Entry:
11.01
